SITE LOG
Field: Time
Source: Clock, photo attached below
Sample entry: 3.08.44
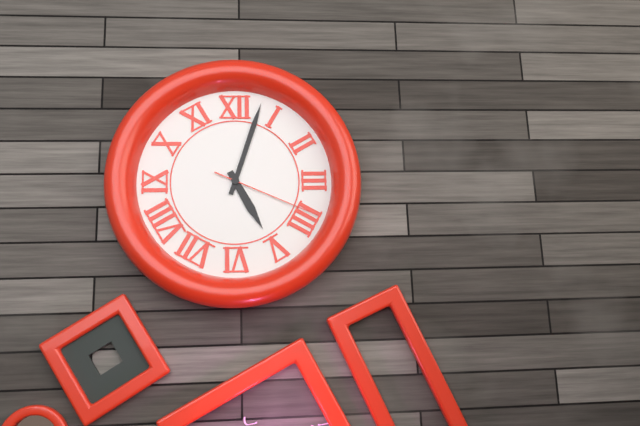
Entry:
5.03.19
